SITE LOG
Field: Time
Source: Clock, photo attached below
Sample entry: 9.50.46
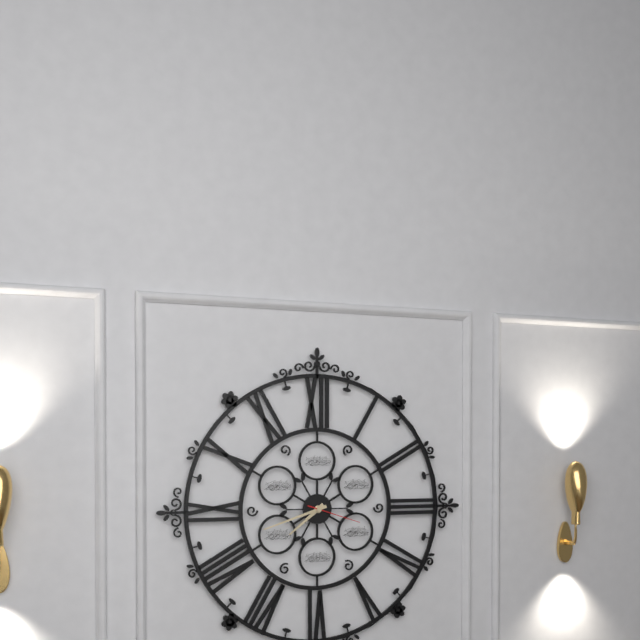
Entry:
7.42.18
